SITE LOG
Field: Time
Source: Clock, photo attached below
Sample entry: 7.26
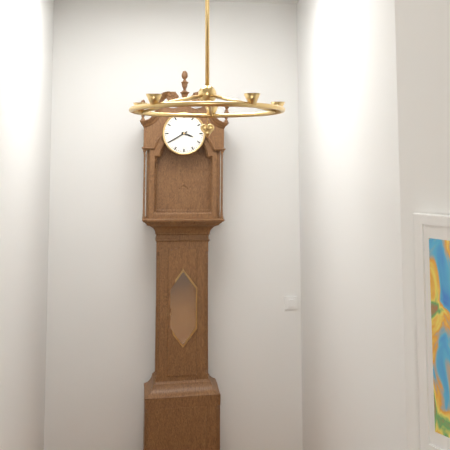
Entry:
3.40
